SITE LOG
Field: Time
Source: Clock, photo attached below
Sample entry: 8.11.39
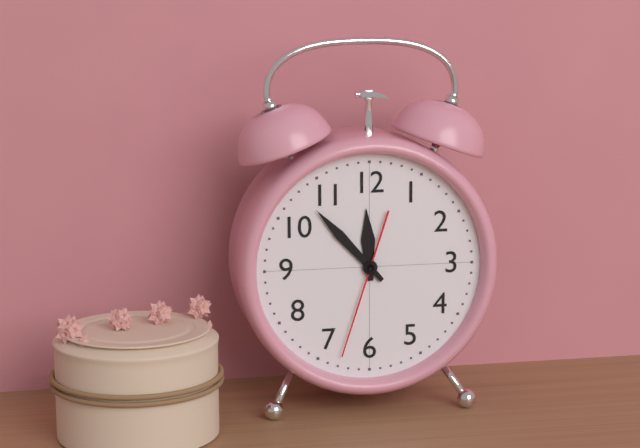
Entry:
11.53.33
